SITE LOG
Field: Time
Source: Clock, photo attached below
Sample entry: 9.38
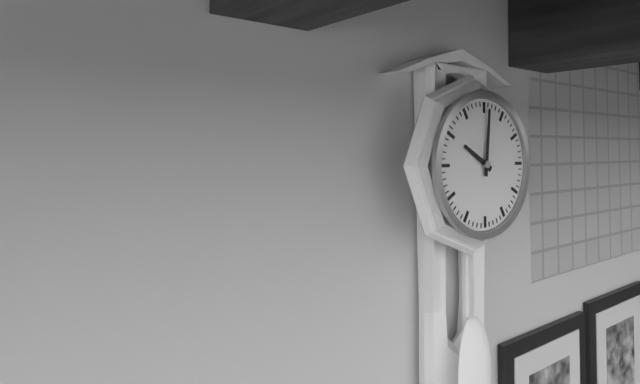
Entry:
10.01
